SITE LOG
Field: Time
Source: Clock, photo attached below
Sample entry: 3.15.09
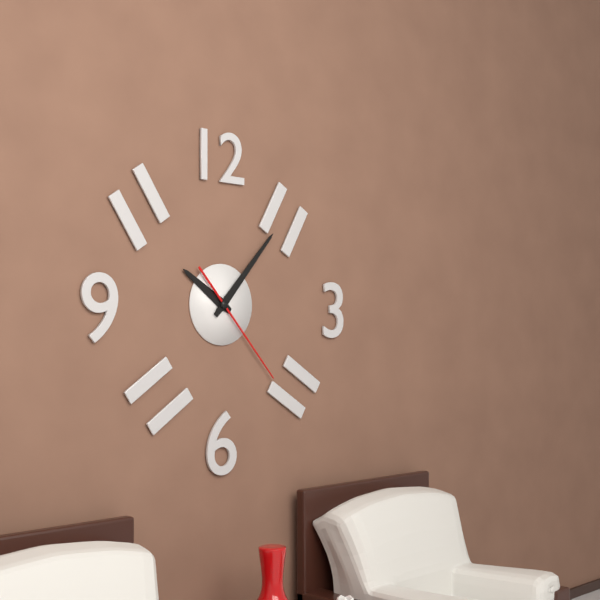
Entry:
10.07.23
